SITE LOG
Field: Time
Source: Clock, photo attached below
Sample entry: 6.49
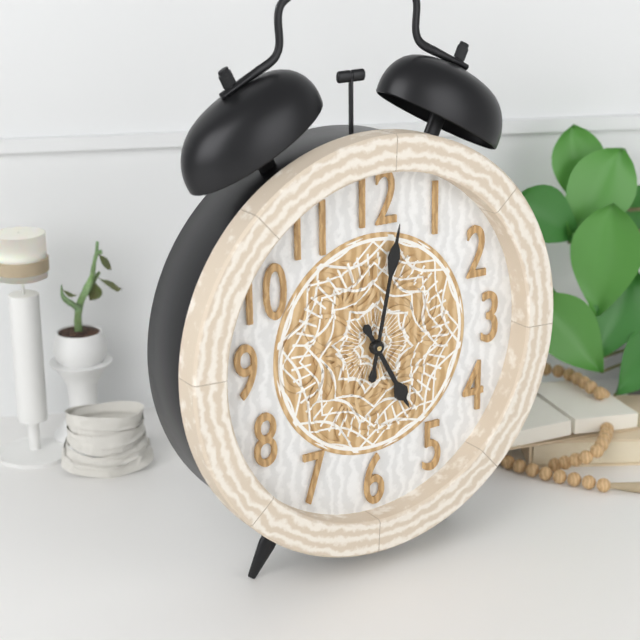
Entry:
5.02
